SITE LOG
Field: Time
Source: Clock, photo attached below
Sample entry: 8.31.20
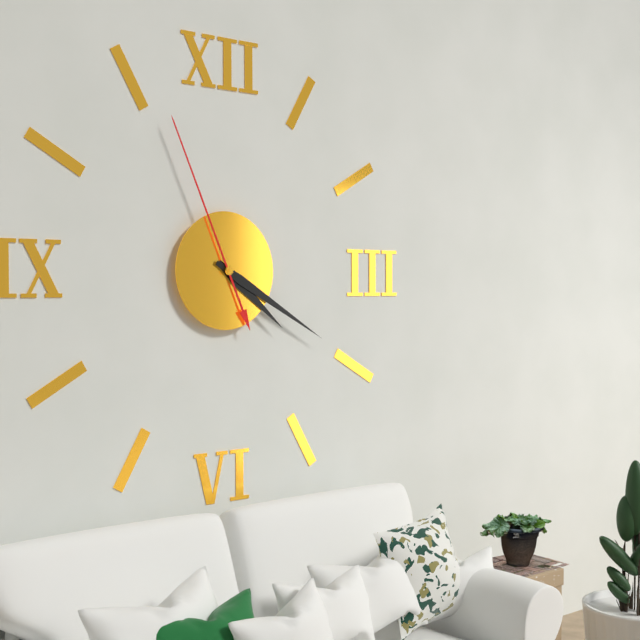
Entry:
4.20.56
